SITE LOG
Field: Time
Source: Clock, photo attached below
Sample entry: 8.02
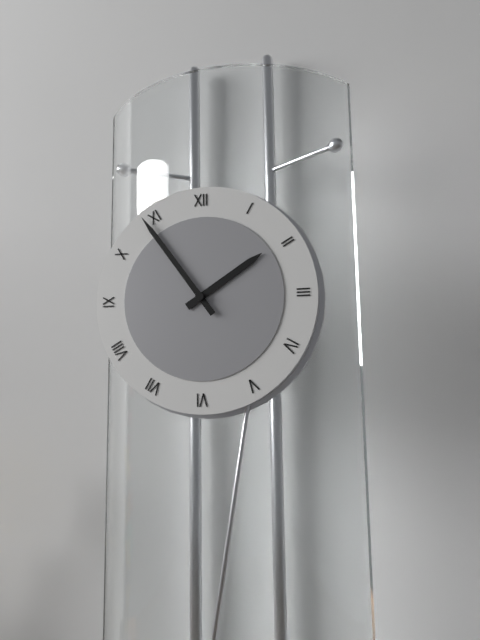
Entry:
1.54
